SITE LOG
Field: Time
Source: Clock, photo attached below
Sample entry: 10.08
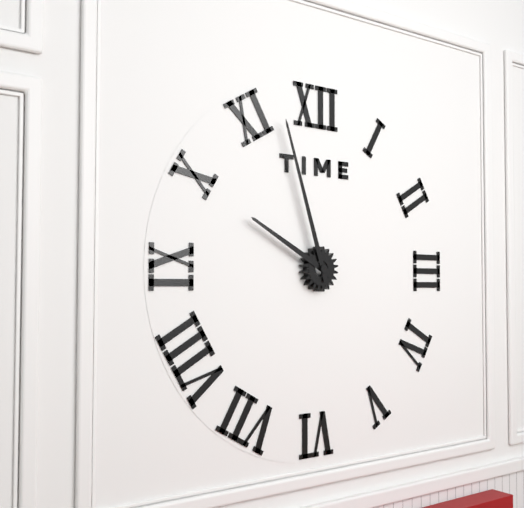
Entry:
9.57
